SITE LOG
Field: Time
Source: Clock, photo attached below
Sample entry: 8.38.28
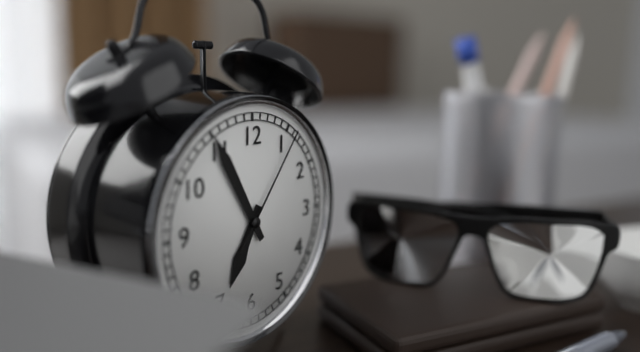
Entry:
6.55.06
